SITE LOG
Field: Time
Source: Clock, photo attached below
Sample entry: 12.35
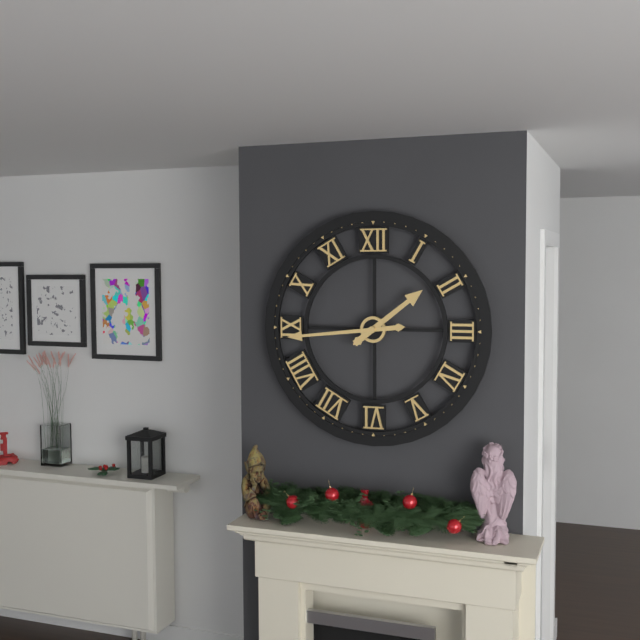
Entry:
1.44
